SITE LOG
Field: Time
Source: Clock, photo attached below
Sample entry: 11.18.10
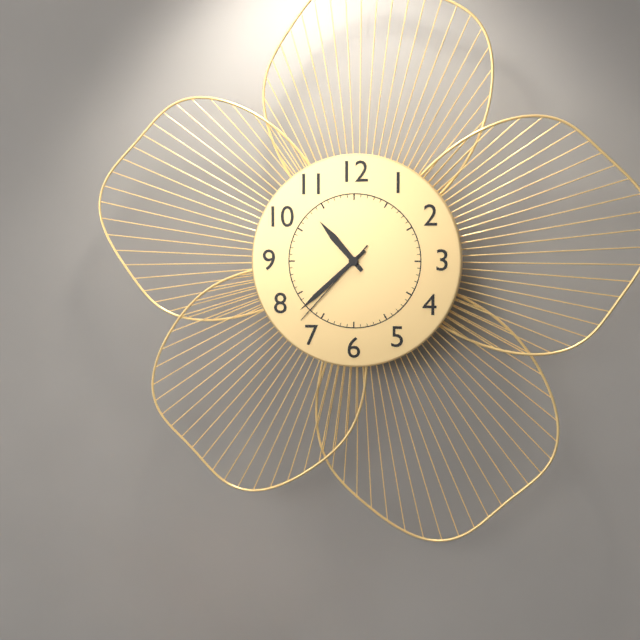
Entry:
10.38.37
